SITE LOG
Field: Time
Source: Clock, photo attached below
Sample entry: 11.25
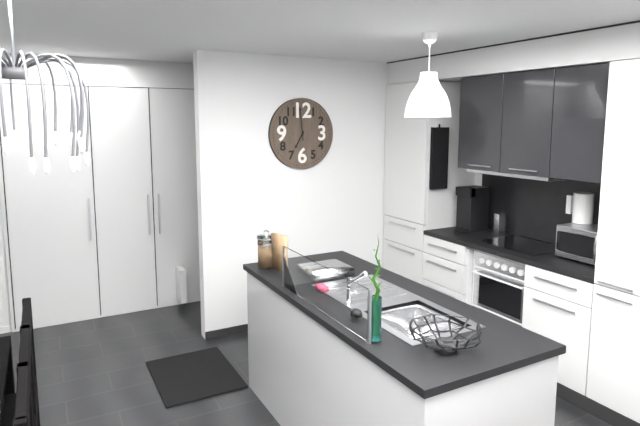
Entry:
6.59
